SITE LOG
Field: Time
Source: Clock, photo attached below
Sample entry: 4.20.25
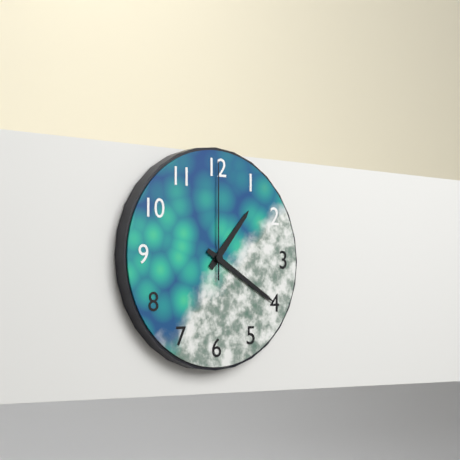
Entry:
1.20.00
